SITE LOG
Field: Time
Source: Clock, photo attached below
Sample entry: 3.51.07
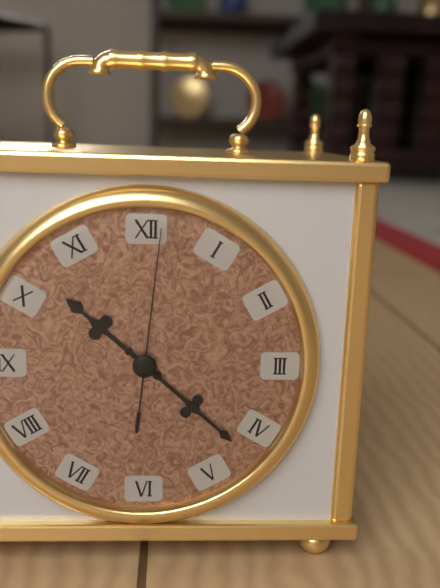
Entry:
10.22.01
